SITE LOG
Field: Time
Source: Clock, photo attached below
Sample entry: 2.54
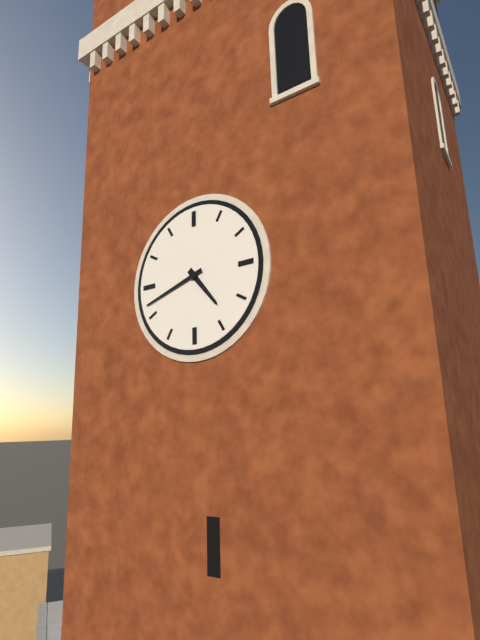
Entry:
4.42
